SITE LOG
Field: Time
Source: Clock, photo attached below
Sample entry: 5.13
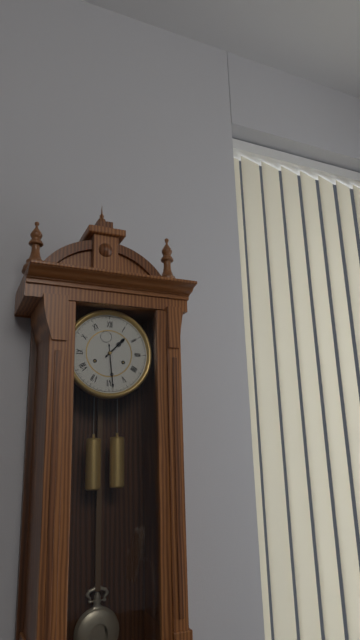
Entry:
1.29
